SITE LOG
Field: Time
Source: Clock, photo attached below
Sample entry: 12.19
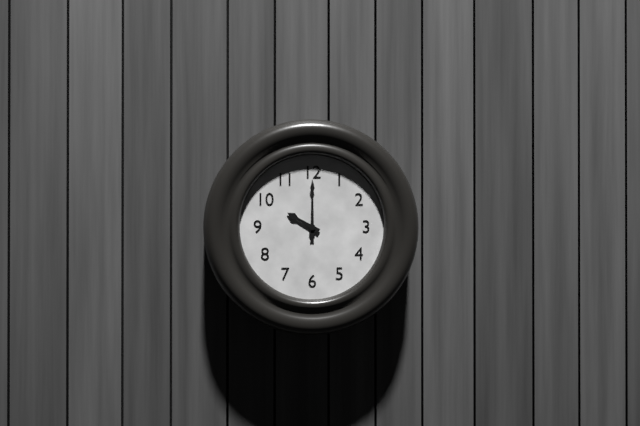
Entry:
10.00
